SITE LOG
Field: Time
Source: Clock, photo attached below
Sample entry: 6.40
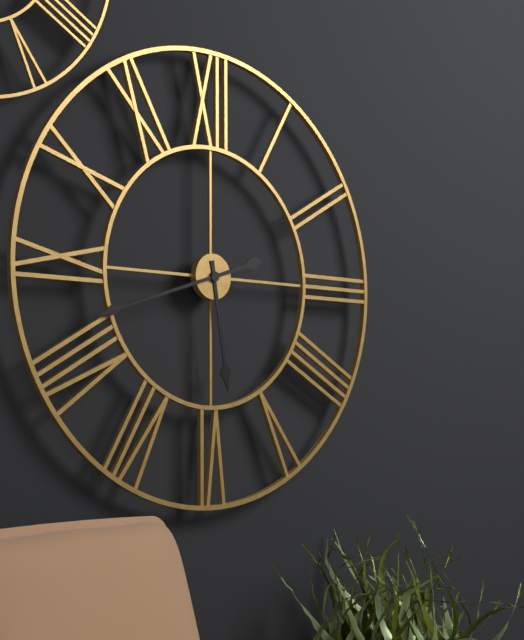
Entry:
5.42
